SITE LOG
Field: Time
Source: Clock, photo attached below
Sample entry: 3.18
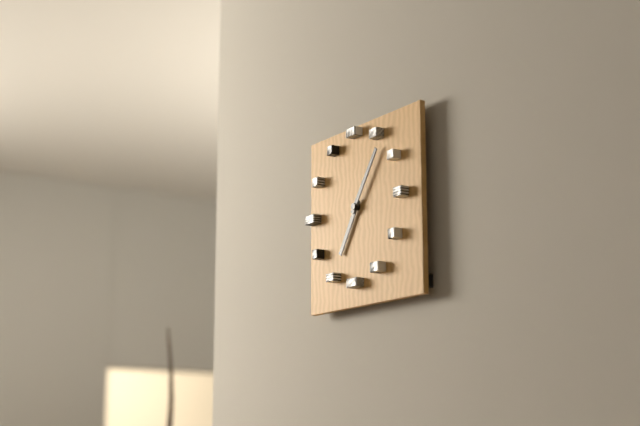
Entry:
7.06
